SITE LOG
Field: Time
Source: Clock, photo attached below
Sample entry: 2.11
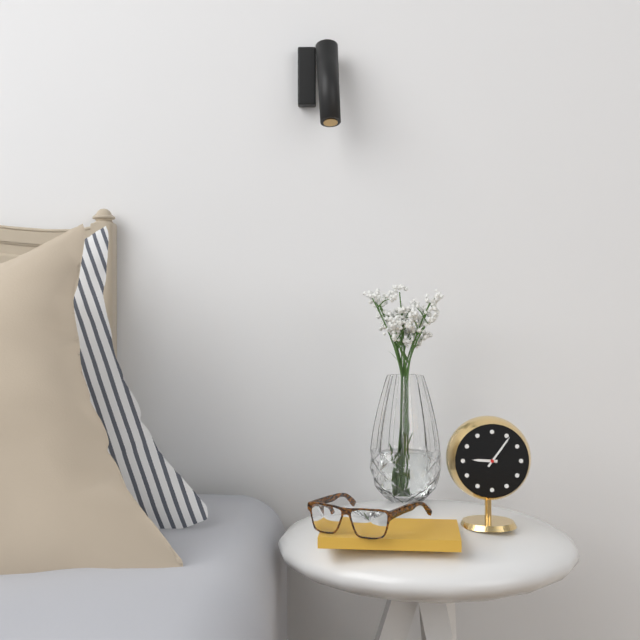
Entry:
9.06
